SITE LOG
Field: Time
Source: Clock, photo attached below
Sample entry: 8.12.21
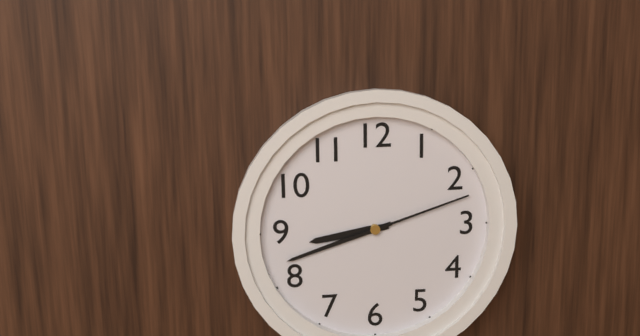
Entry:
8.42.12
